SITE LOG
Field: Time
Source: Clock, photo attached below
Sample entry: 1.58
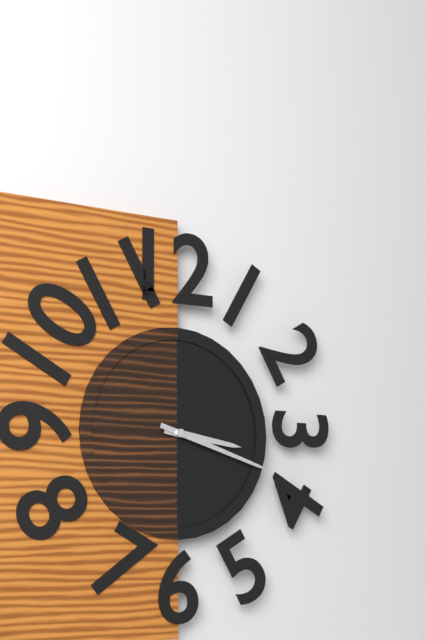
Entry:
3.18
